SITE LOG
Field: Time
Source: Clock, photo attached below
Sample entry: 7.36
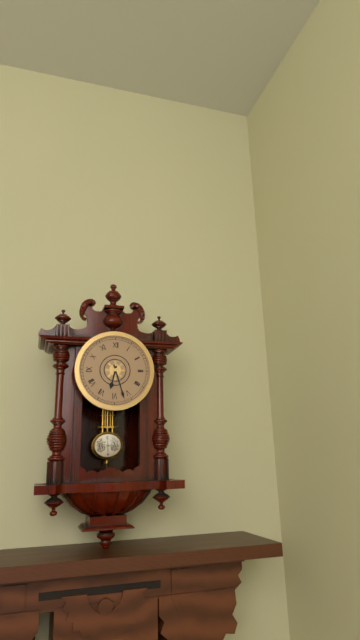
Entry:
6.27
